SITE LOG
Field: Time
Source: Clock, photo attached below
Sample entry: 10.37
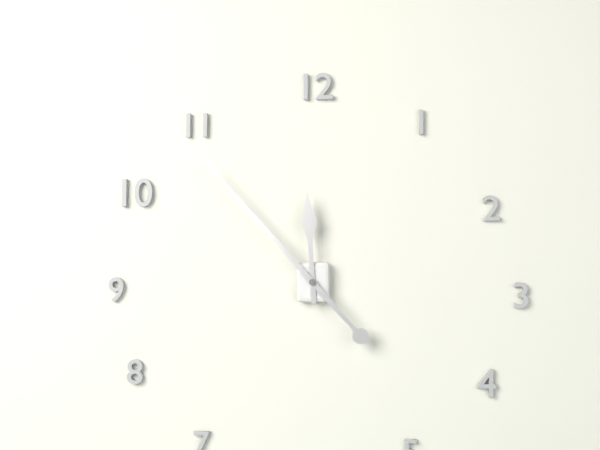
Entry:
11.53
